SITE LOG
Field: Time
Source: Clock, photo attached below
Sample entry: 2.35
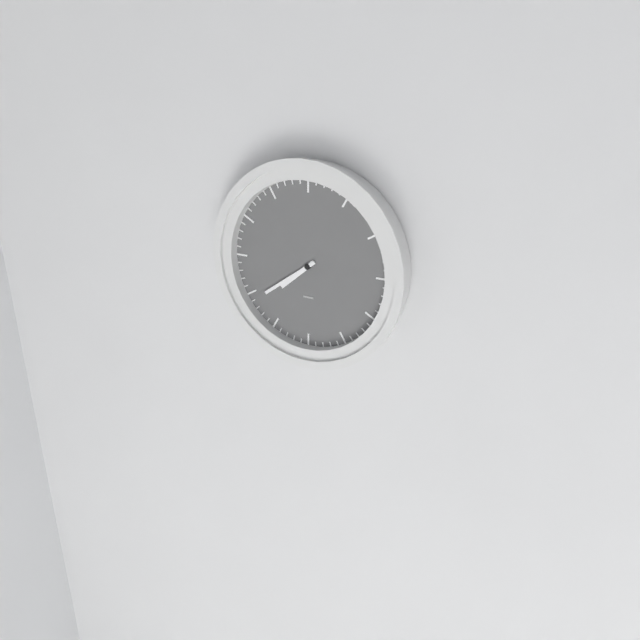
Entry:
7.39
